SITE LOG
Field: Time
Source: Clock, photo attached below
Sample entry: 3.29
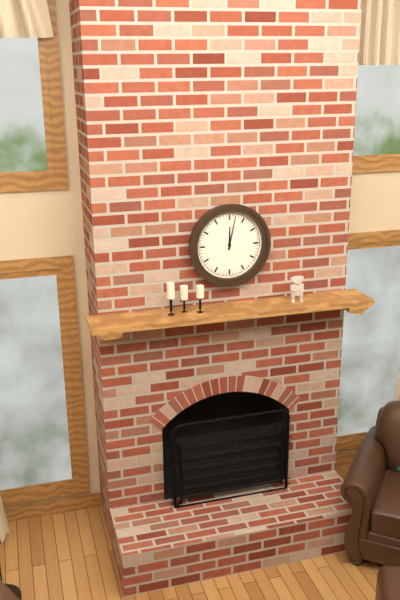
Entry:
12.02
